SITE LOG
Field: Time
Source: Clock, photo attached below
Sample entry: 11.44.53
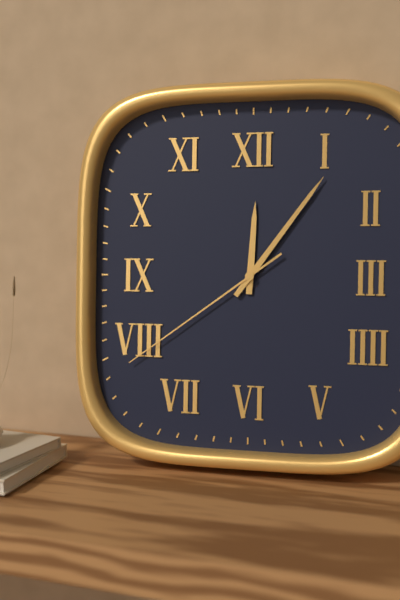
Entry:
12.06.39
